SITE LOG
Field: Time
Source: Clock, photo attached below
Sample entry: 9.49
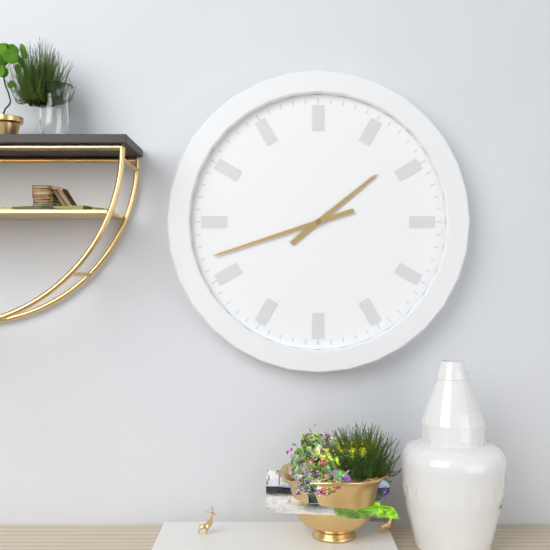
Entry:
1.42
